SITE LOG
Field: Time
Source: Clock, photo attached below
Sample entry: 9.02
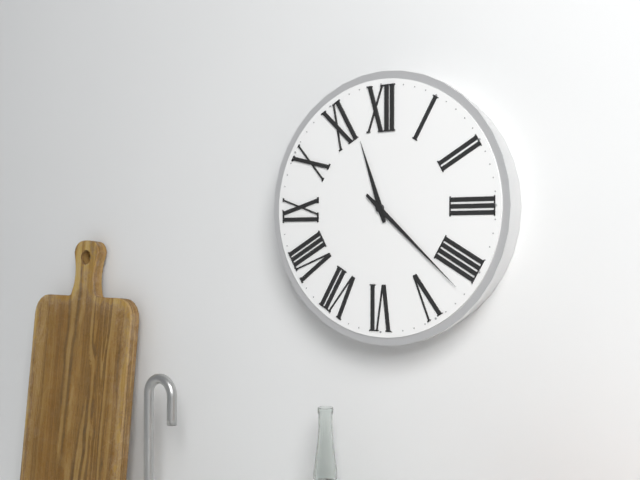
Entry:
11.22
